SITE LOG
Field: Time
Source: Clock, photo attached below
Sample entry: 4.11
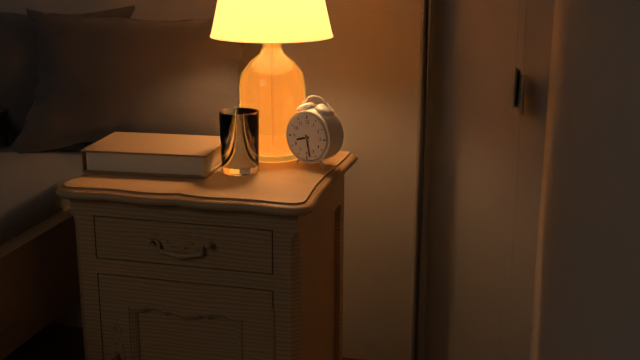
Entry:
8.28
